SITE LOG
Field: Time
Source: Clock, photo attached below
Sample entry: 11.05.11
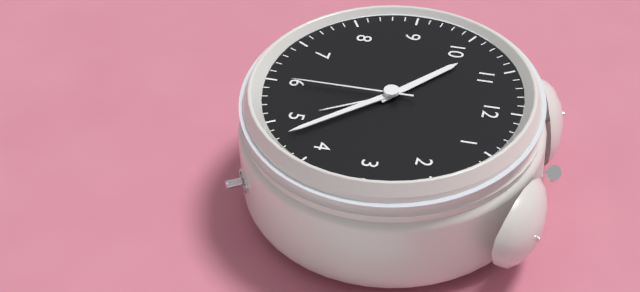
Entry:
10.23.30
